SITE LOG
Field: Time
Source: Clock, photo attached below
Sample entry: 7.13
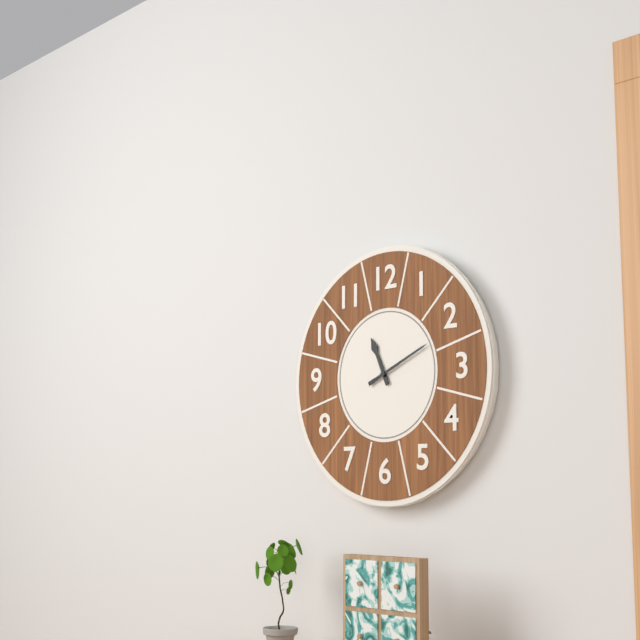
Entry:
11.11
